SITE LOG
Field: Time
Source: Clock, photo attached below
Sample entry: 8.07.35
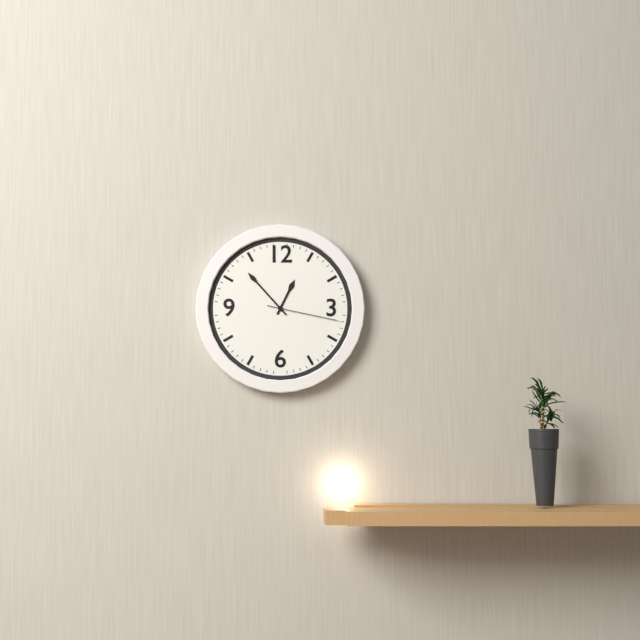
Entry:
12.53.17
